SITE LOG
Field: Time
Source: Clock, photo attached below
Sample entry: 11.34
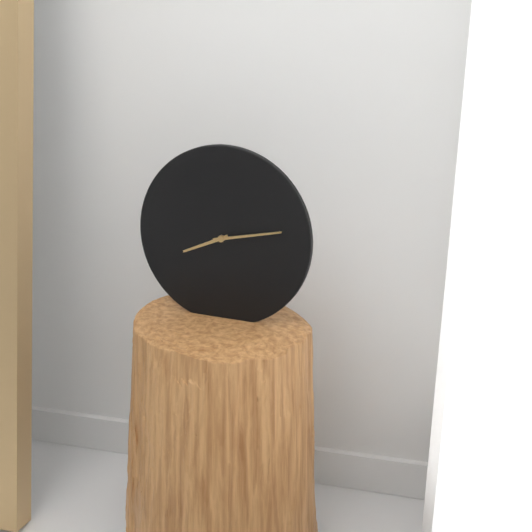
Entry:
8.13
